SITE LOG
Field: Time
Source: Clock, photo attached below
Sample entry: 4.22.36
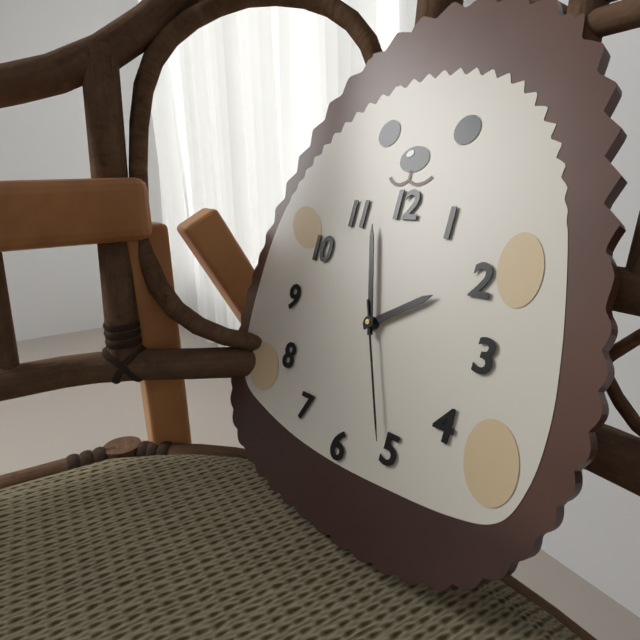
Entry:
1.57.26
